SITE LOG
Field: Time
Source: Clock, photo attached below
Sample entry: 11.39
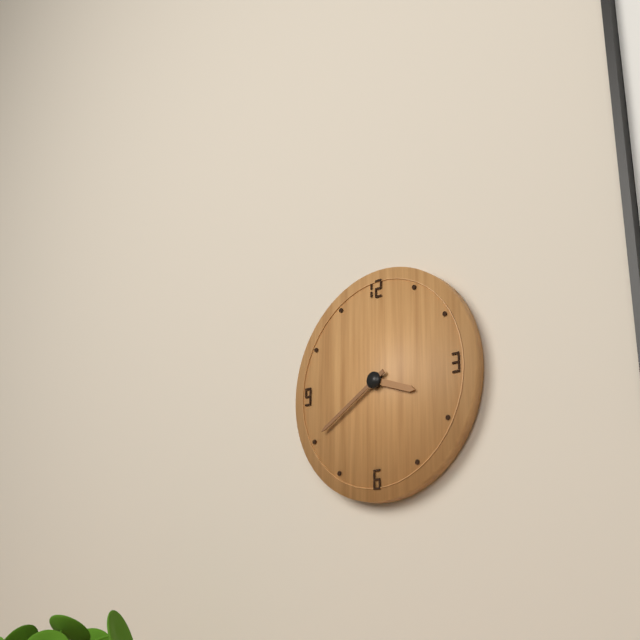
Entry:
3.40
